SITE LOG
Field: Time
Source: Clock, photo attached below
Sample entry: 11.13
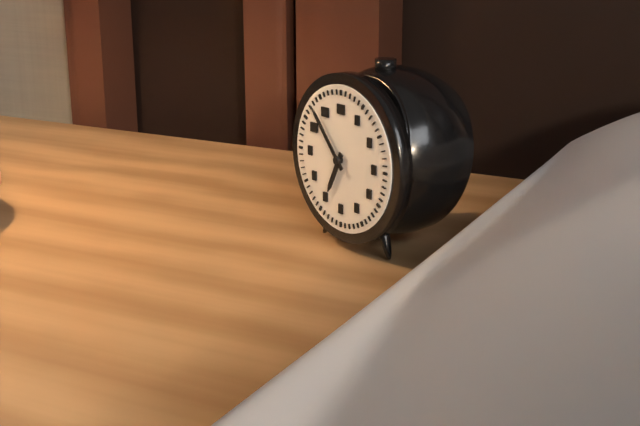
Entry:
6.53
